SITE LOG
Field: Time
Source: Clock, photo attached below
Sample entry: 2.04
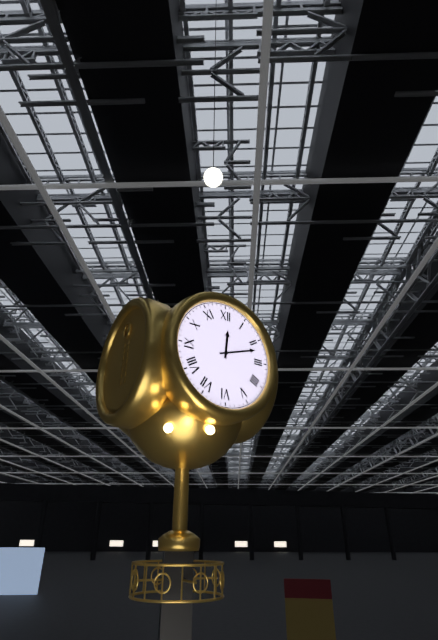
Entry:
12.12
